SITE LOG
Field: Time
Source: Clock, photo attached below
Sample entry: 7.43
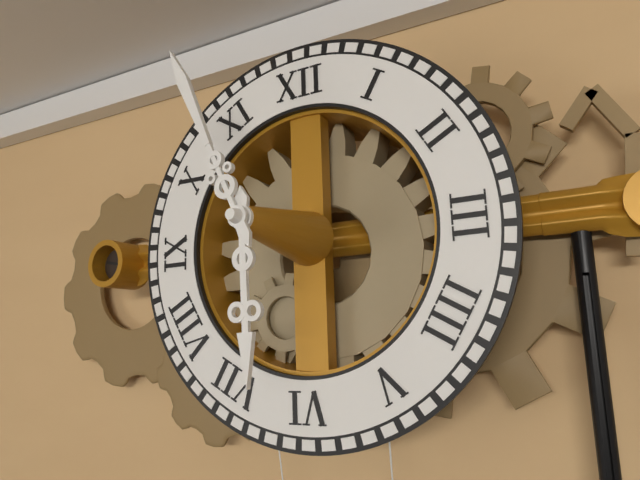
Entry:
5.56
